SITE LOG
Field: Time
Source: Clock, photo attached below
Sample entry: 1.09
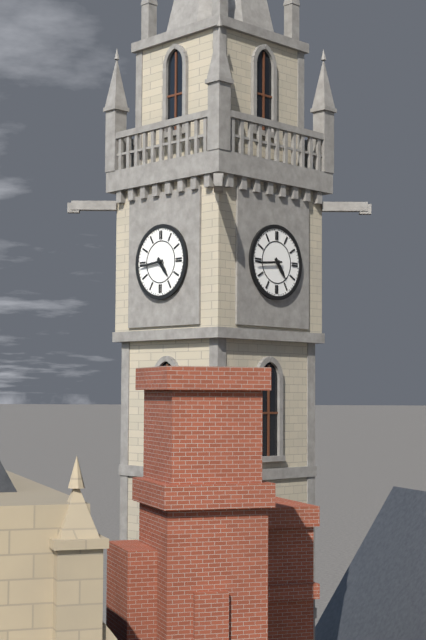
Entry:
4.44
